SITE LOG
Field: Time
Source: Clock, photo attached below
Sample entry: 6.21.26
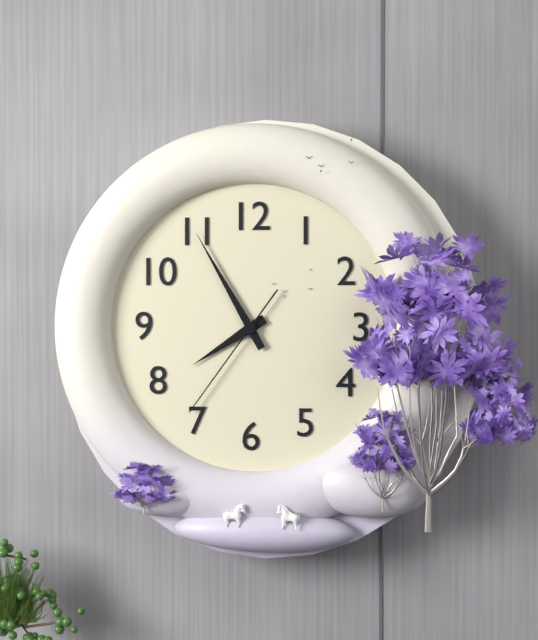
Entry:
7.55.36
